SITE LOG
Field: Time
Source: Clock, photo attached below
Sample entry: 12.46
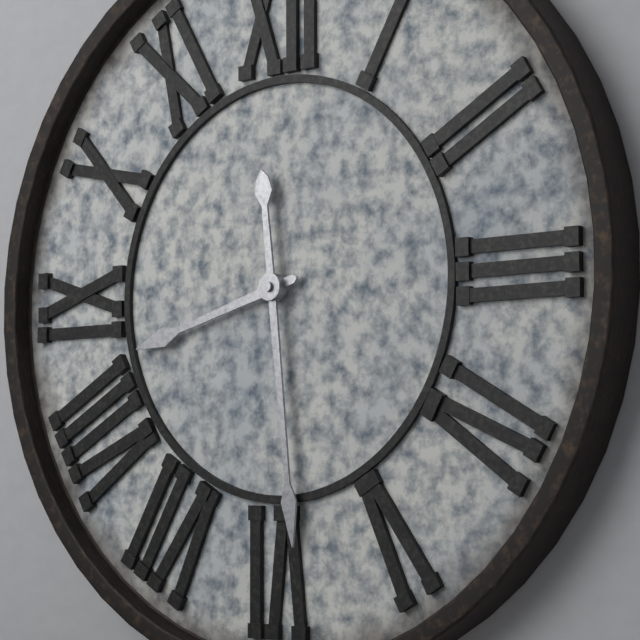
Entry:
8.29
